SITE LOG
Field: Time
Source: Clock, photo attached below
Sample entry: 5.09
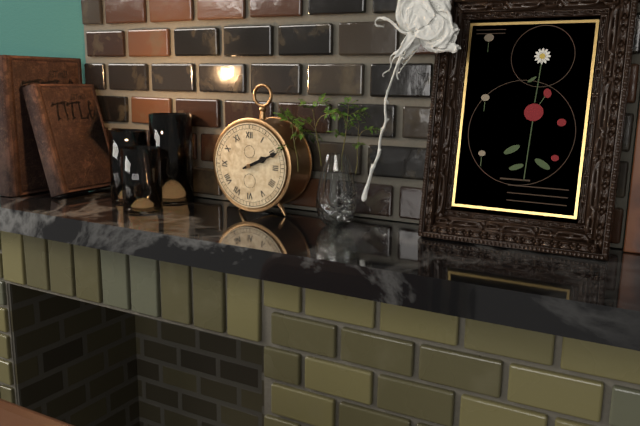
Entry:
2.11
